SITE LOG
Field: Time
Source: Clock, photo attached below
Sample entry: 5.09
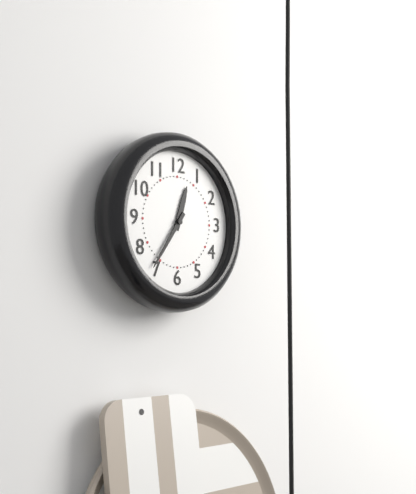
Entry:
12.36
